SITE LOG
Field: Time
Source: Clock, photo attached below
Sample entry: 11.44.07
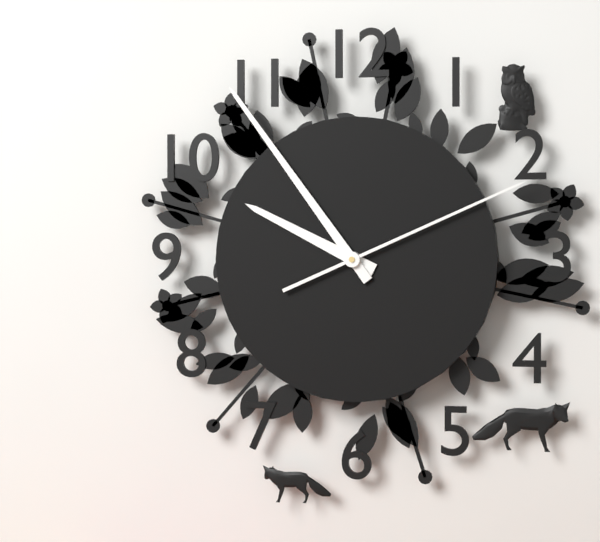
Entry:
9.54.11
